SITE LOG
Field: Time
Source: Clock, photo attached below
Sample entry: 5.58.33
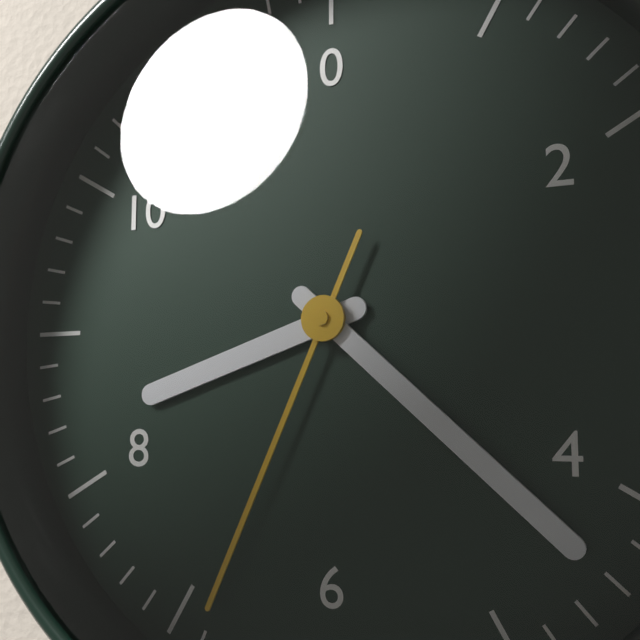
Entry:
8.22.34
